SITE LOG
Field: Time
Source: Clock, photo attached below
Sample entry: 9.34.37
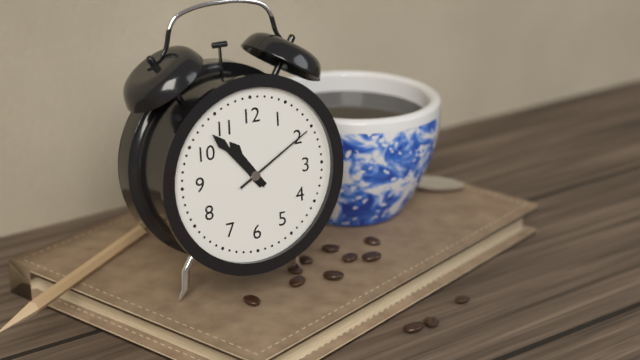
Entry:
10.53.10
